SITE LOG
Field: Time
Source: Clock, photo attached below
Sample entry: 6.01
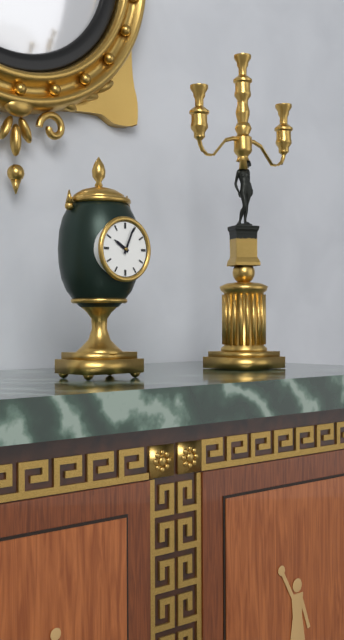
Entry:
10.04
